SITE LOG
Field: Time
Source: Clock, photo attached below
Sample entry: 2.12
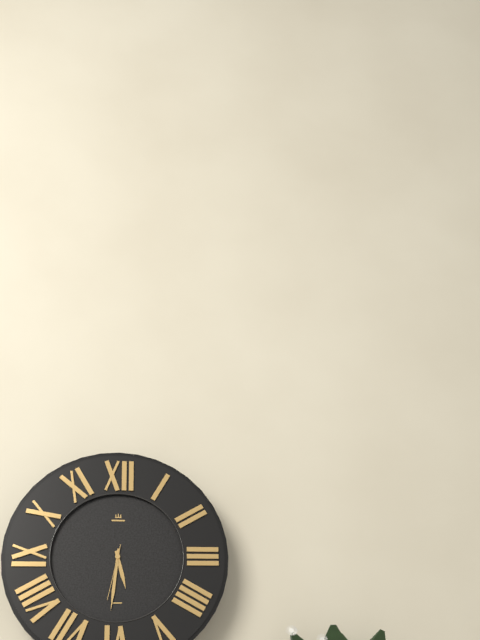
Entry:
5.31
